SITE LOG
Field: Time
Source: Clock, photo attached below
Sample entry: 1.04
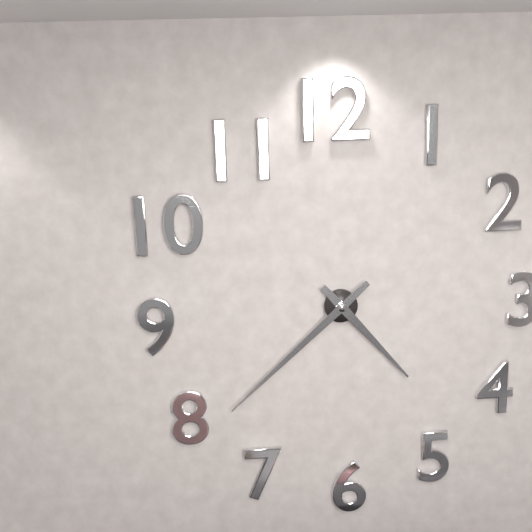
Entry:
4.38
